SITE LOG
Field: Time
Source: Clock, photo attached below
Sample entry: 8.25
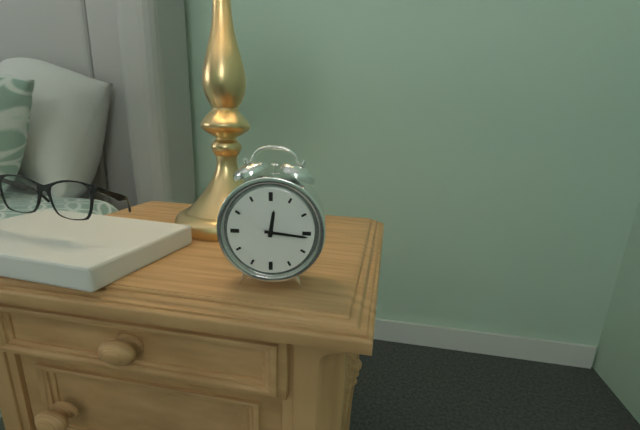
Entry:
12.16
